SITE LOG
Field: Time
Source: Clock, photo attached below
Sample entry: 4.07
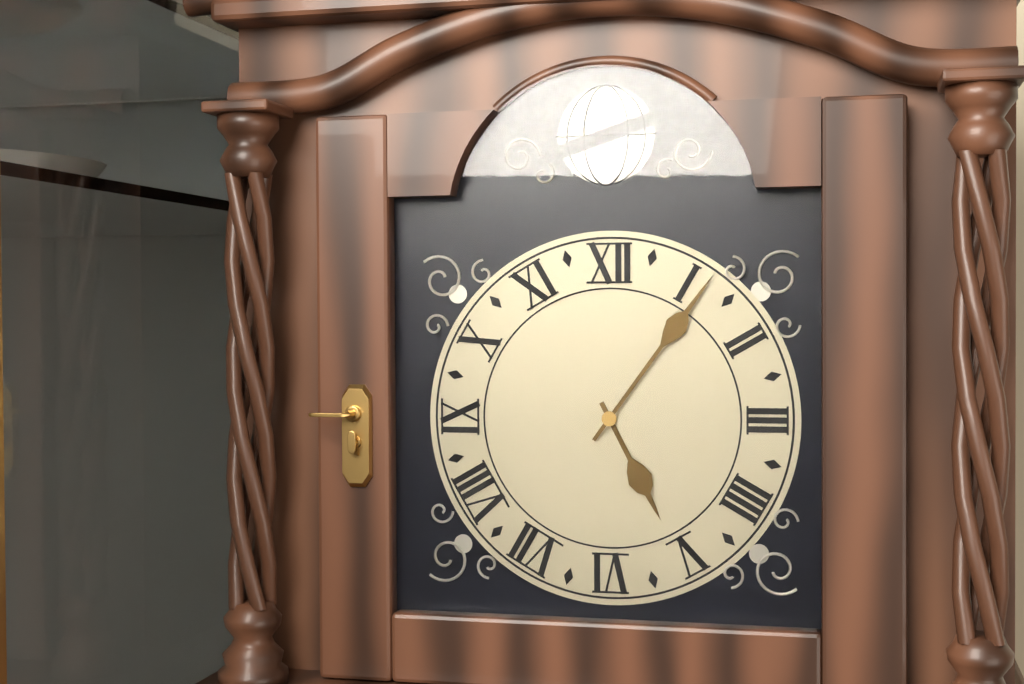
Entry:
5.06
